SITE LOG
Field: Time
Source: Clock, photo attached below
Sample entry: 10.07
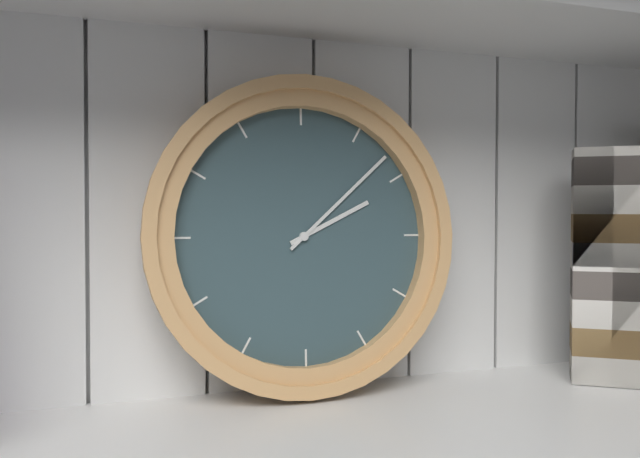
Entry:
2.08
